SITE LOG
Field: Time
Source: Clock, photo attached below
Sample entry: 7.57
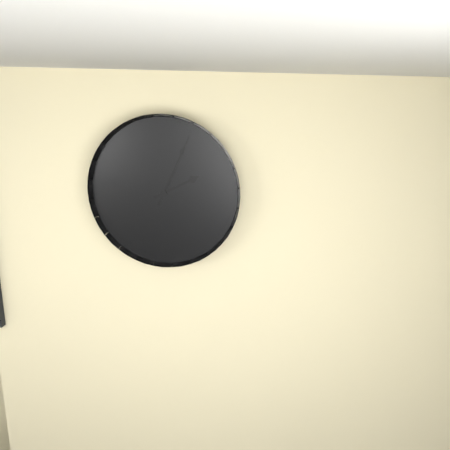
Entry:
2.04
